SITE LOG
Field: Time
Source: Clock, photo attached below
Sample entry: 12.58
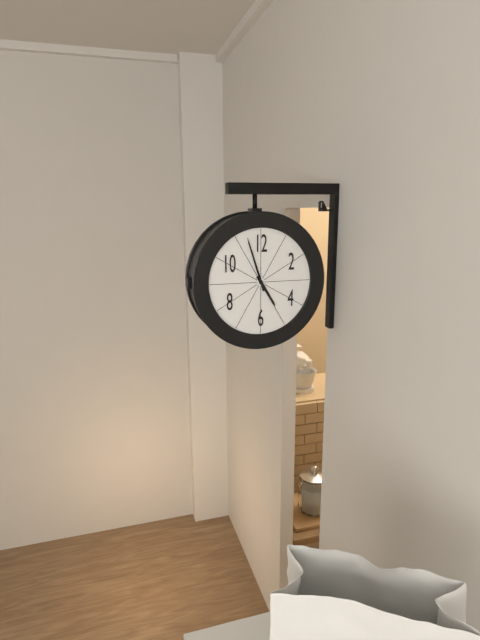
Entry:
4.57
